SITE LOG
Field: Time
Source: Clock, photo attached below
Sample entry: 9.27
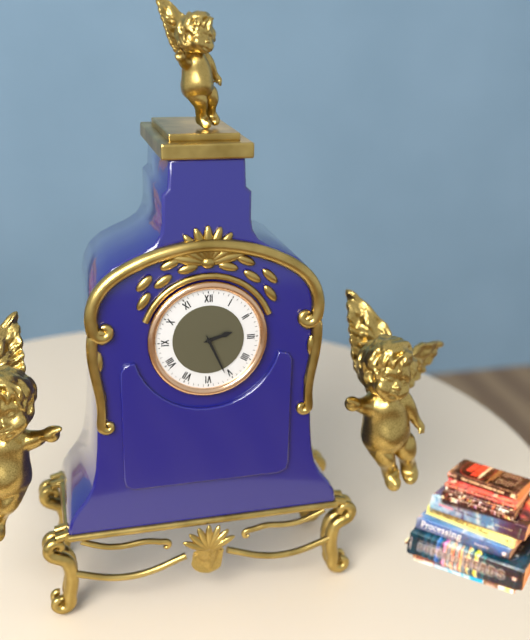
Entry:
2.26
